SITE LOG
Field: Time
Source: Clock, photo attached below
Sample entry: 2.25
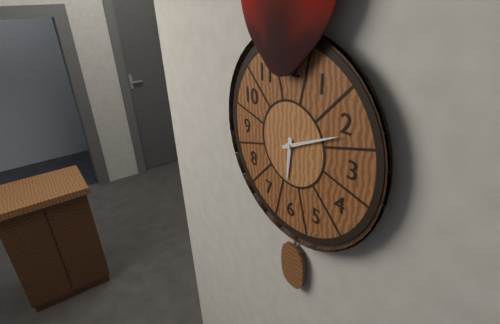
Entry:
6.11
